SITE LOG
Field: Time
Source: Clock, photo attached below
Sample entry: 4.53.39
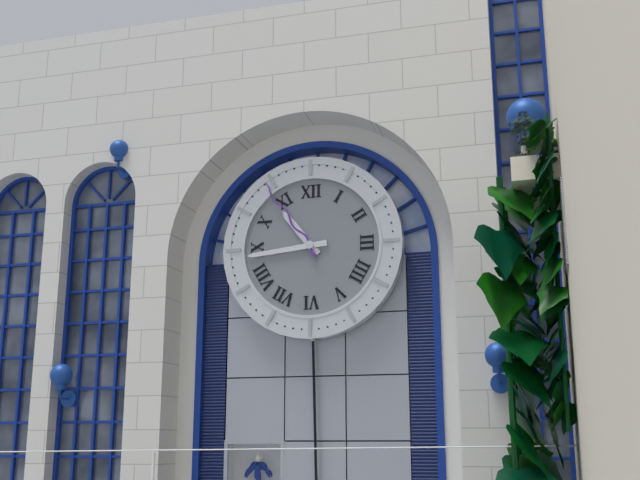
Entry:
10.44.54
